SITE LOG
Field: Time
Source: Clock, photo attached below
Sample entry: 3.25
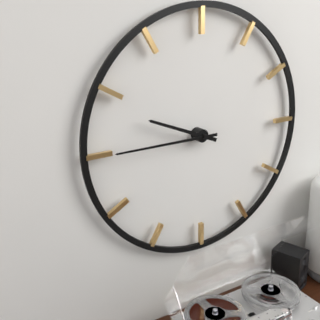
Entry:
9.45
